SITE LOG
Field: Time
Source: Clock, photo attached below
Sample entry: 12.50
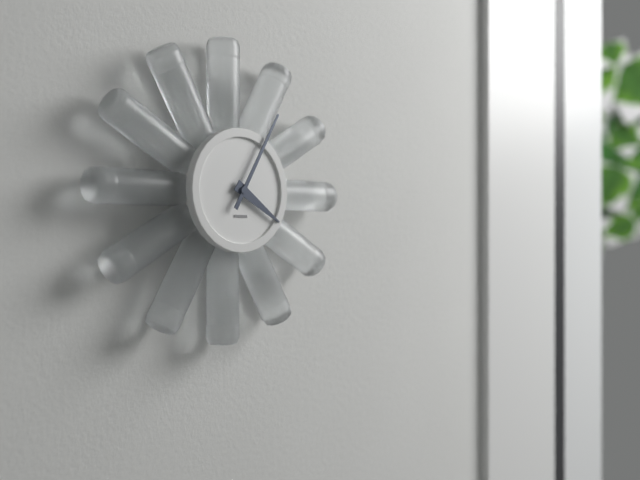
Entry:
4.05
